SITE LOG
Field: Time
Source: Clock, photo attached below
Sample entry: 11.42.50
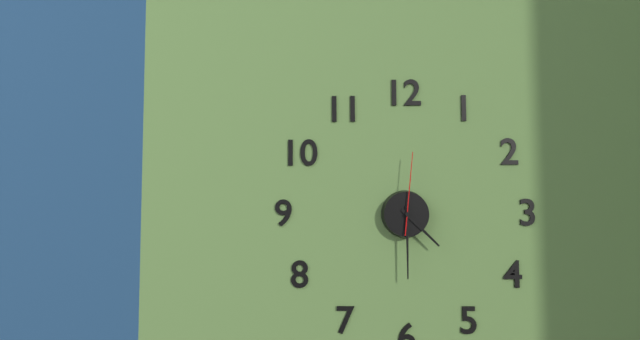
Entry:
4.30.01
